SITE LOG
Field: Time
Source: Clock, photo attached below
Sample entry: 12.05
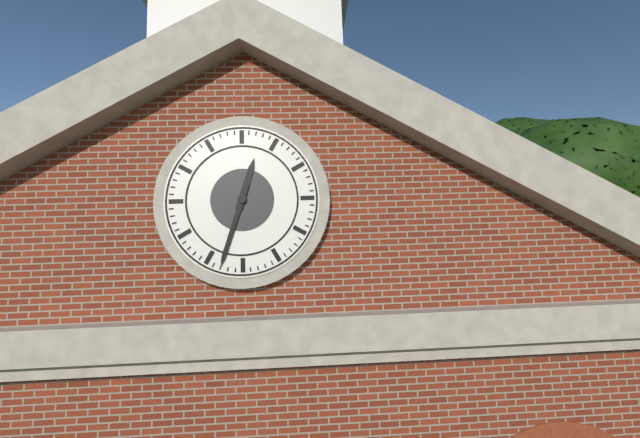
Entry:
12.33
